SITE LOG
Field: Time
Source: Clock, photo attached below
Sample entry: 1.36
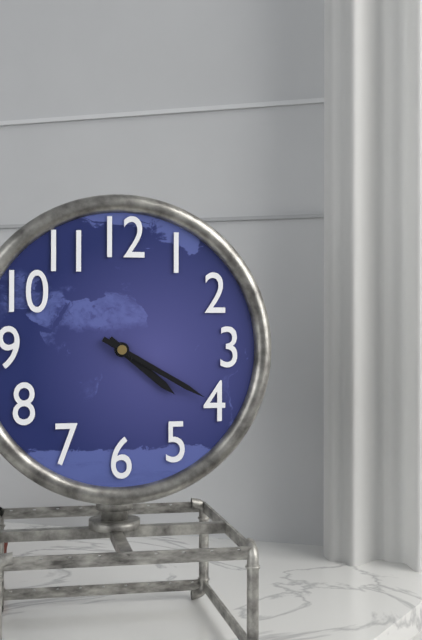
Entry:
4.20
